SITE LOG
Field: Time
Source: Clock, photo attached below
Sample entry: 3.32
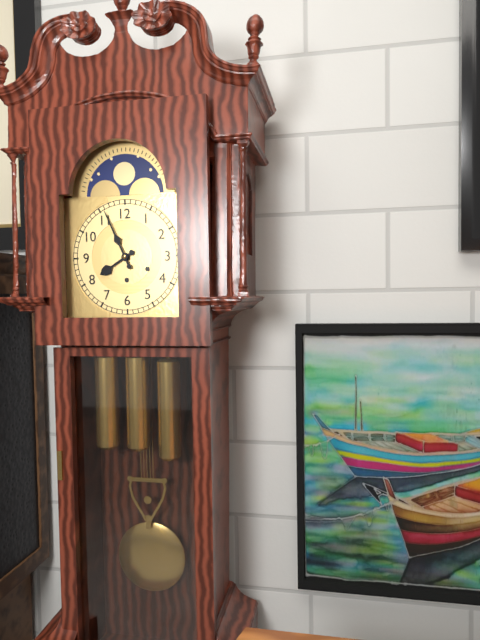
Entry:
7.56
